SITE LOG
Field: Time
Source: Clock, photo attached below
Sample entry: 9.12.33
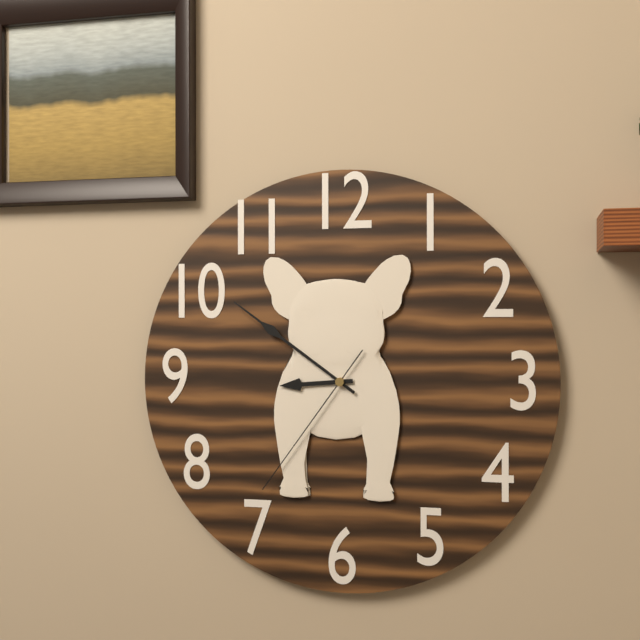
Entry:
8.51.36
